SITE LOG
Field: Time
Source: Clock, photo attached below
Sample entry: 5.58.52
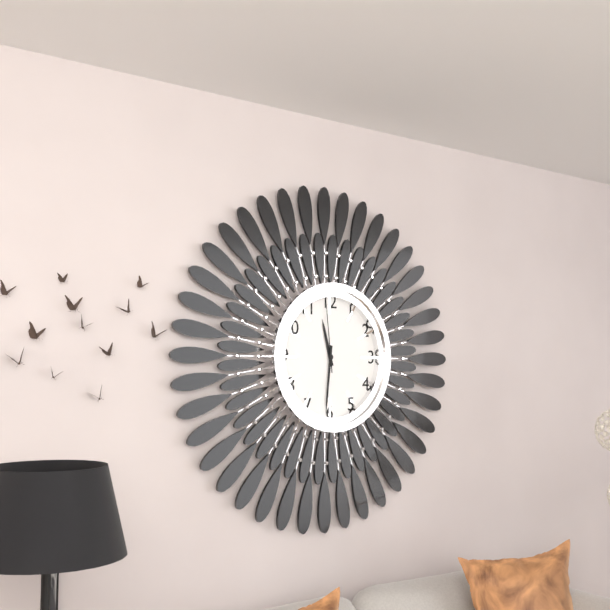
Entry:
11.31.59
